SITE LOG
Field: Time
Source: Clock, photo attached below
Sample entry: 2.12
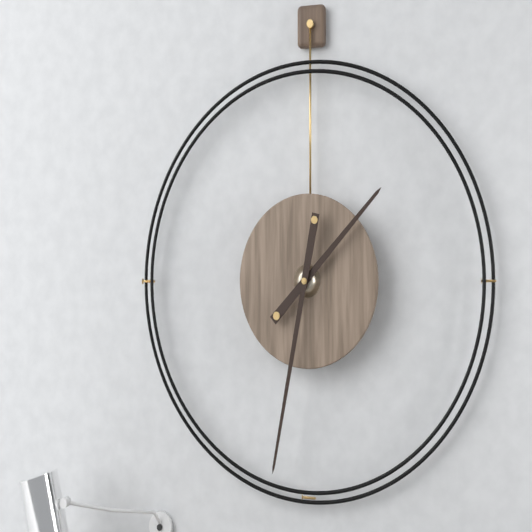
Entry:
1.32
